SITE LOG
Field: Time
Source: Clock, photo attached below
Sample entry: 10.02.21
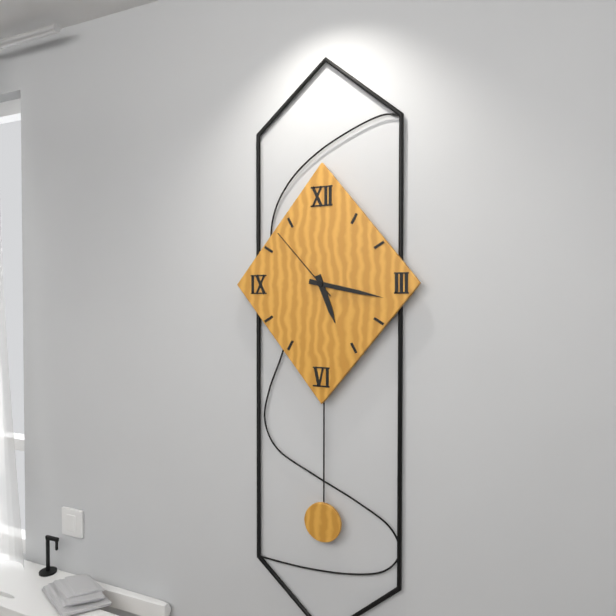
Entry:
5.17.53
